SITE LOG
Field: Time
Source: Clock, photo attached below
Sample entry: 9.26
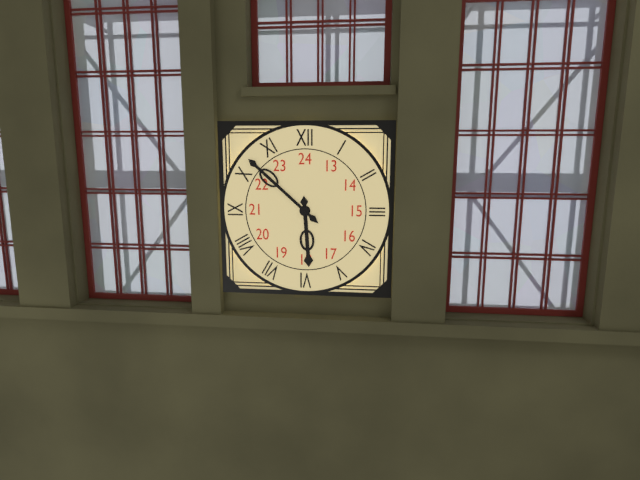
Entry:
5.52
